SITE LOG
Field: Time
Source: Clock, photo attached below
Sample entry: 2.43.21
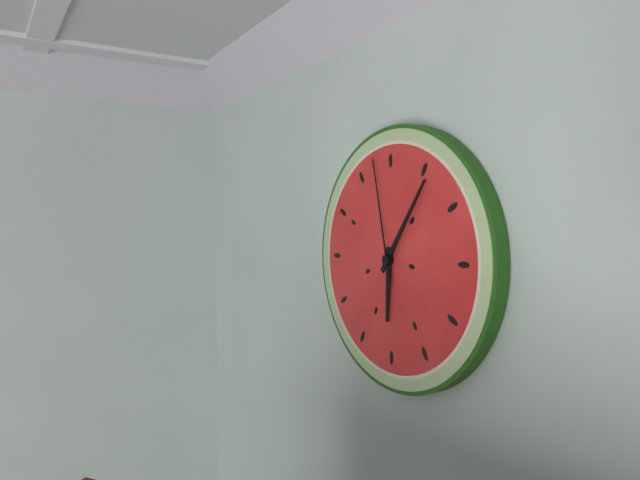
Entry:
6.06.58
